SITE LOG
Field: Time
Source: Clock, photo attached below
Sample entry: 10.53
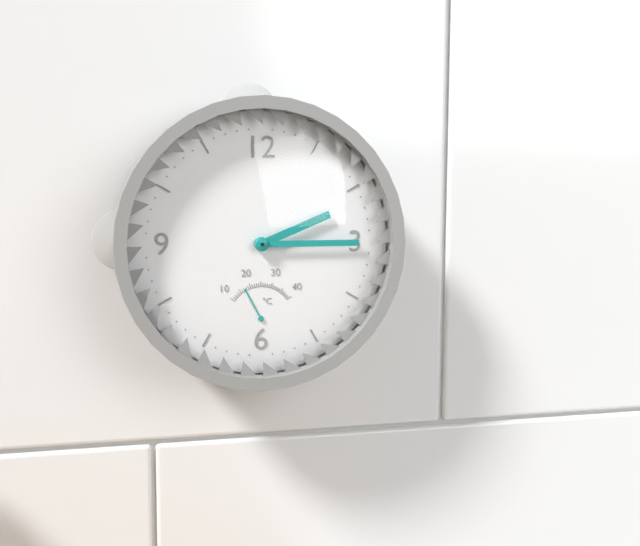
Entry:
2.15
